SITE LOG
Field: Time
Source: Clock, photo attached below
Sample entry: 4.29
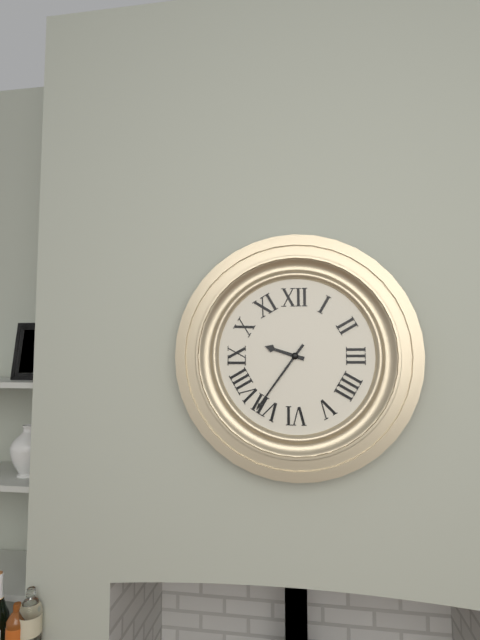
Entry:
9.36
